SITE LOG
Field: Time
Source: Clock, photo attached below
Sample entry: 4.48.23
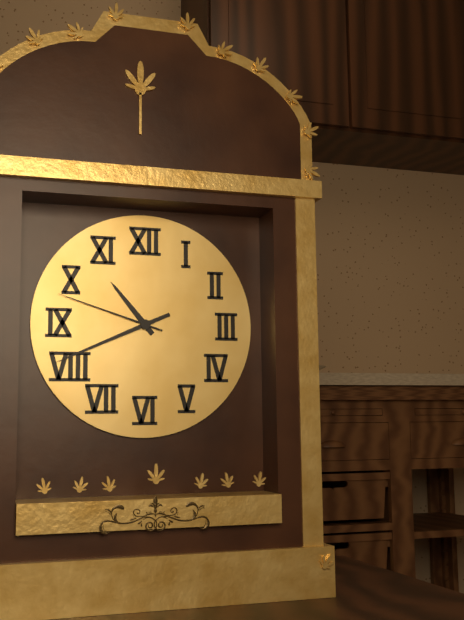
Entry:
10.41.48
